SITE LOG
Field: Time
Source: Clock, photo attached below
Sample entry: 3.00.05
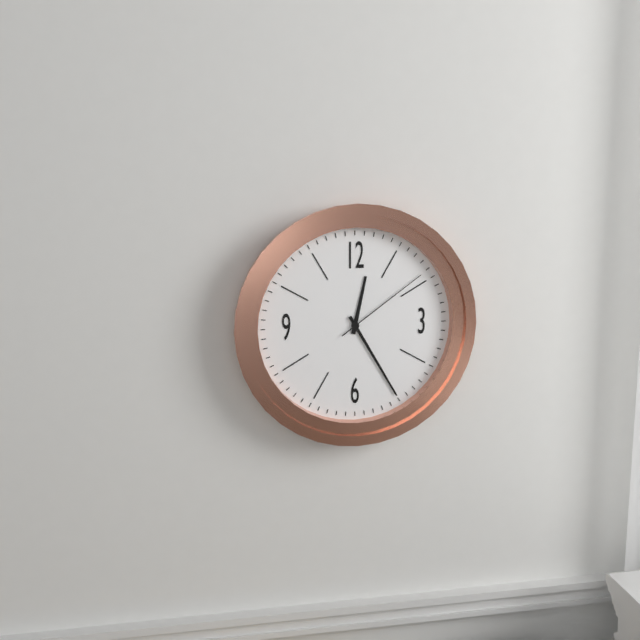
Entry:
12.25.09
